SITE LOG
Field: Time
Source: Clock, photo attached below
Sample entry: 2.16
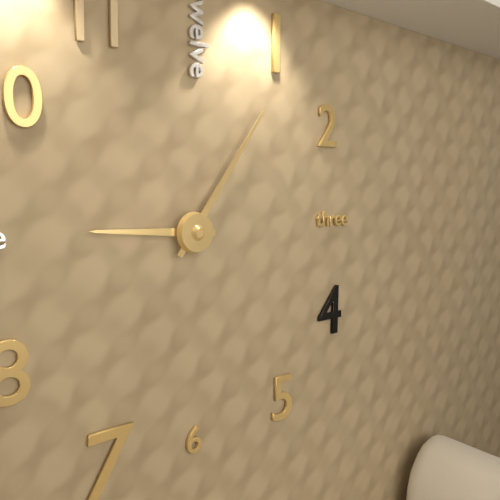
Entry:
9.06
